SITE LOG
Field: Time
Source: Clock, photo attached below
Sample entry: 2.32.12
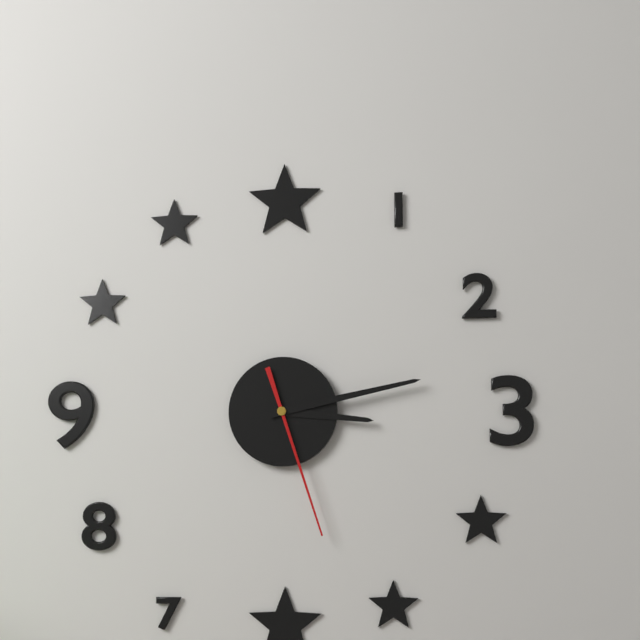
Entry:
3.13.27
